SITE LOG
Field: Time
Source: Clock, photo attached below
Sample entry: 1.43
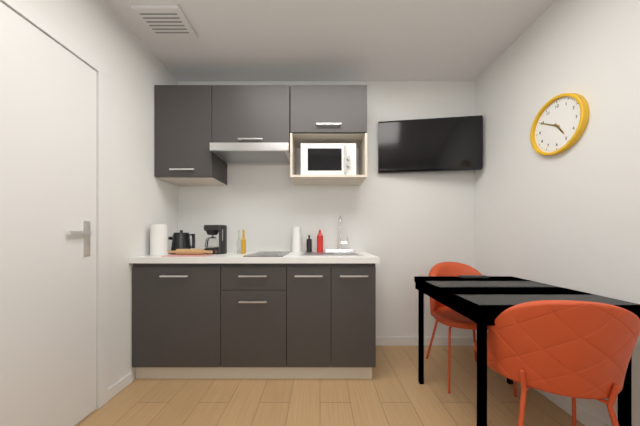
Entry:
4.50
